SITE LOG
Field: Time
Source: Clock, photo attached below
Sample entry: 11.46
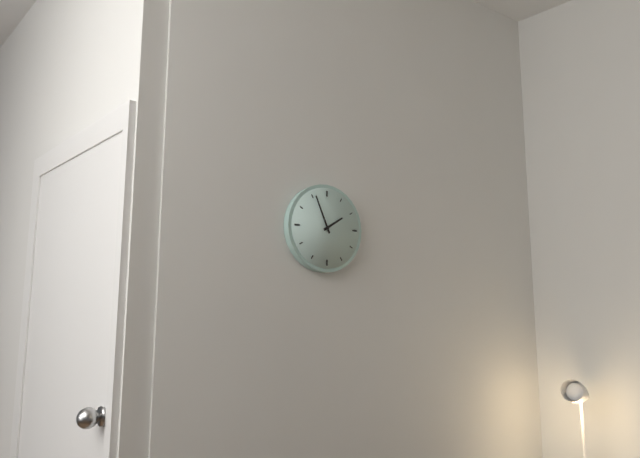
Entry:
1.56
